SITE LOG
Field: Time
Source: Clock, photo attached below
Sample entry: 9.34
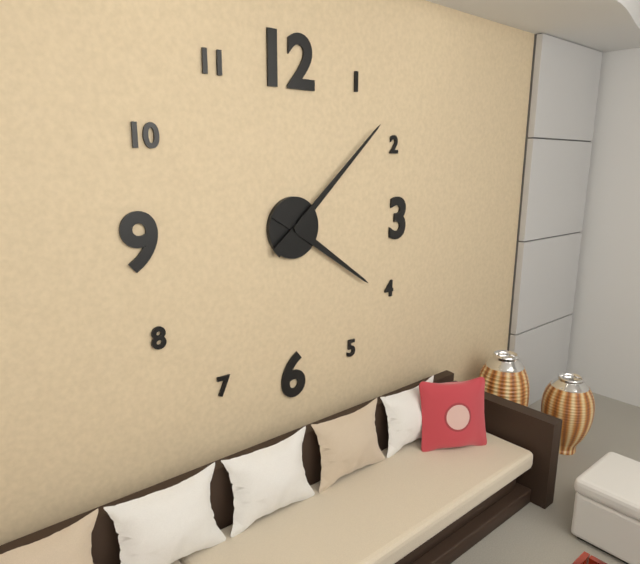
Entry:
4.08
